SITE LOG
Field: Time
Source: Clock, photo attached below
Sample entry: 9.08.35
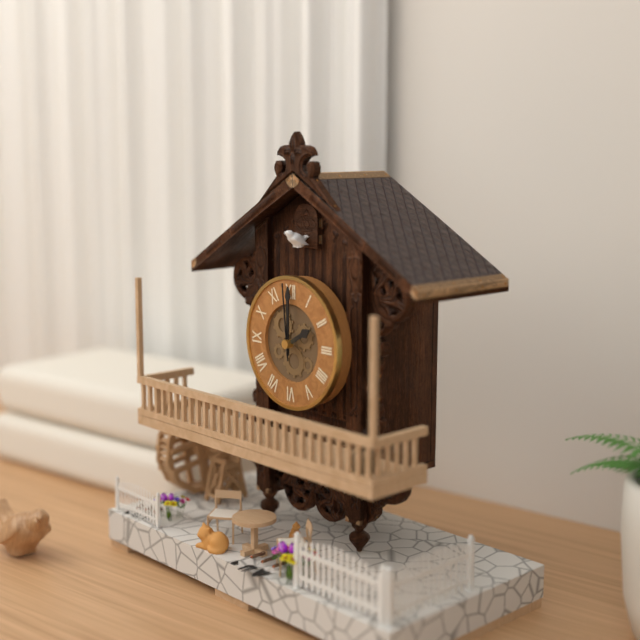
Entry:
2.00.59
